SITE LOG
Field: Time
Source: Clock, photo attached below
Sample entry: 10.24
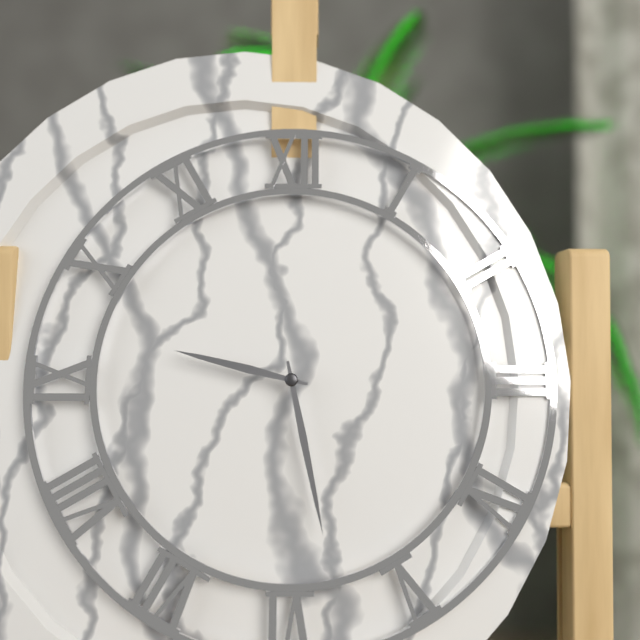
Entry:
9.28
